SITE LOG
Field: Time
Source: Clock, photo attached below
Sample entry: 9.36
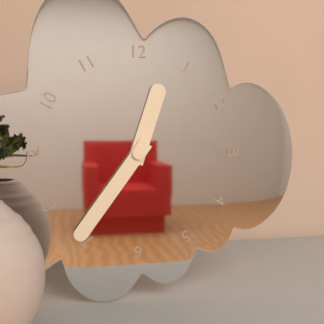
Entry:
12.36
